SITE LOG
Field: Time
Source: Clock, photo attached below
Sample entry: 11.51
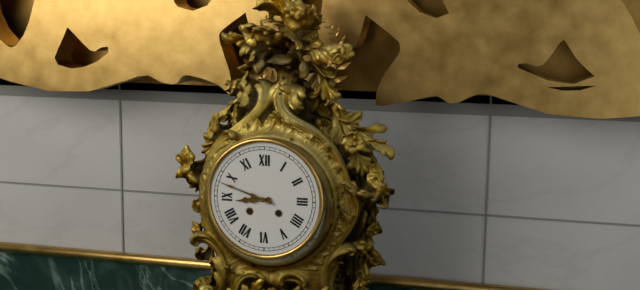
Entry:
8.48
